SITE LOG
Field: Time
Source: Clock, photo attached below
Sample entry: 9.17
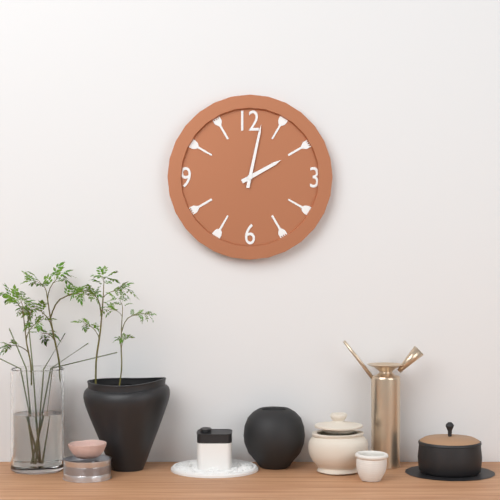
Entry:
2.02
